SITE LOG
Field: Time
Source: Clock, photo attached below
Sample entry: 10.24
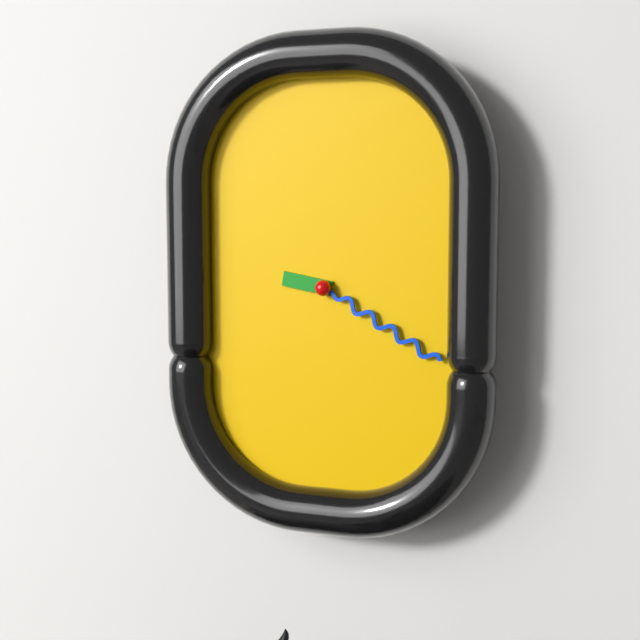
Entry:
9.20
